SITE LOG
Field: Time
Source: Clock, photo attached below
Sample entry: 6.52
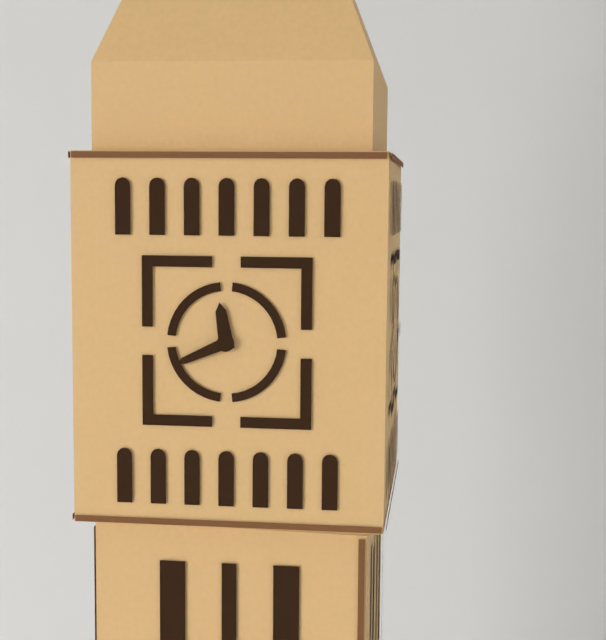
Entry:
11.41
